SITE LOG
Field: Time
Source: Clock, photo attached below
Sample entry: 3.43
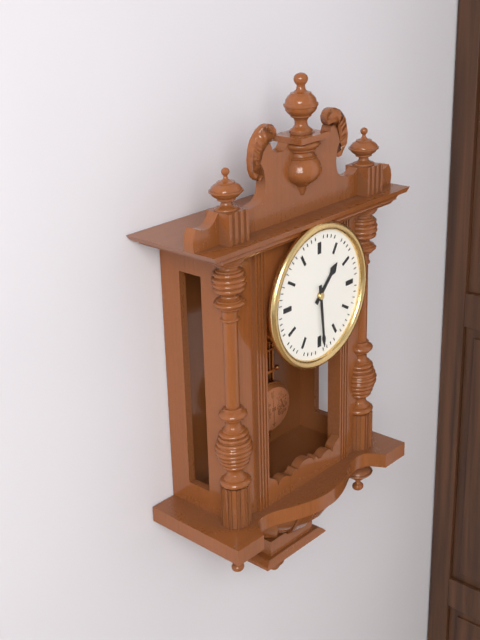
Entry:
1.29
